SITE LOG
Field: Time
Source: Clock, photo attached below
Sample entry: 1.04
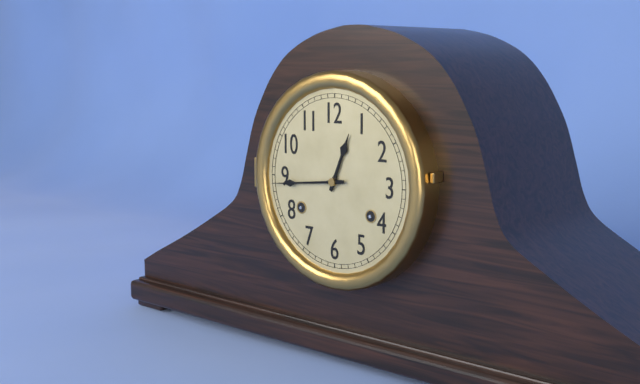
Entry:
12.44
